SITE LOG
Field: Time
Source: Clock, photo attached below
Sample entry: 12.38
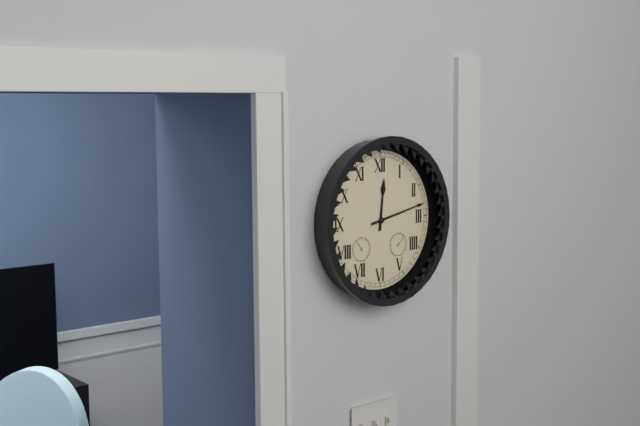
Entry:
12.13
